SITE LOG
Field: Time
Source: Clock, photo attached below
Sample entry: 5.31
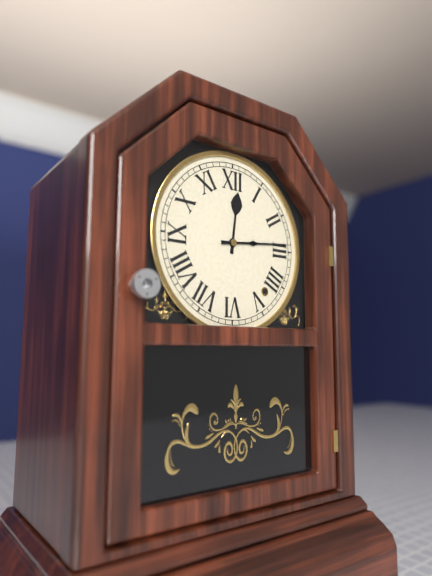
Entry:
12.14
